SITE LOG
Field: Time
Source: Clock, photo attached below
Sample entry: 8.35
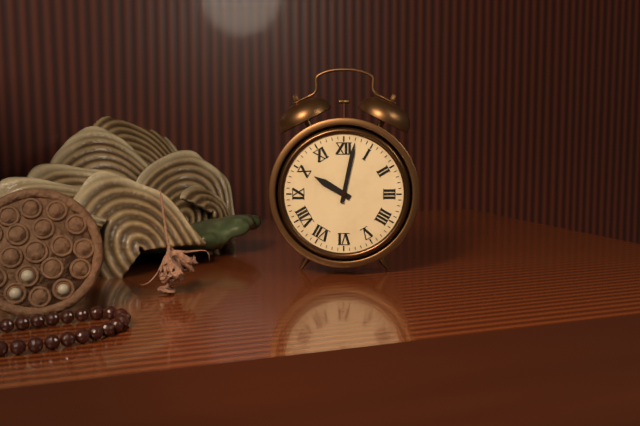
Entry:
10.02
